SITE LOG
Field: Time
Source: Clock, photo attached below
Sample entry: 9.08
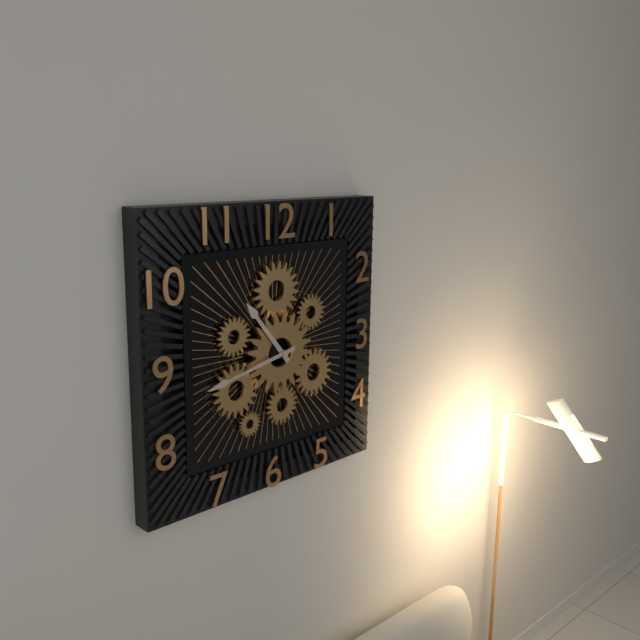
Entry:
10.43
